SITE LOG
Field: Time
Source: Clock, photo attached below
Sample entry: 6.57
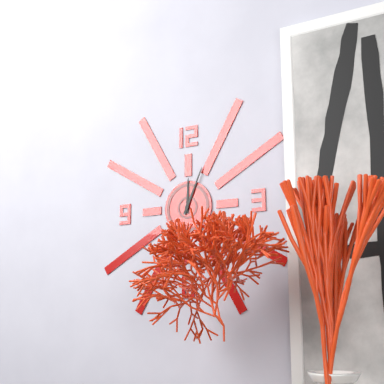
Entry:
12.04
